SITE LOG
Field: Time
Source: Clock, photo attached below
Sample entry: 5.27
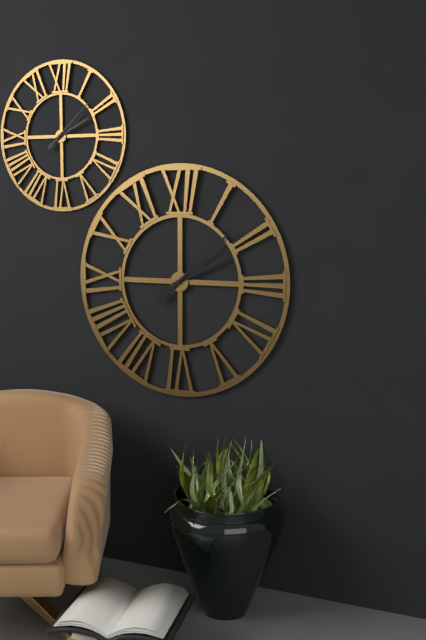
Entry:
2.08
